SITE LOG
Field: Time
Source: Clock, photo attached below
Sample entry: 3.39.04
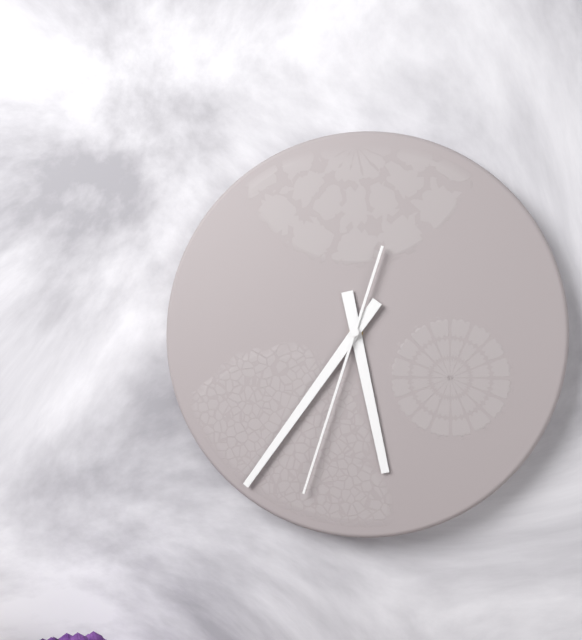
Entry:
5.36.33
